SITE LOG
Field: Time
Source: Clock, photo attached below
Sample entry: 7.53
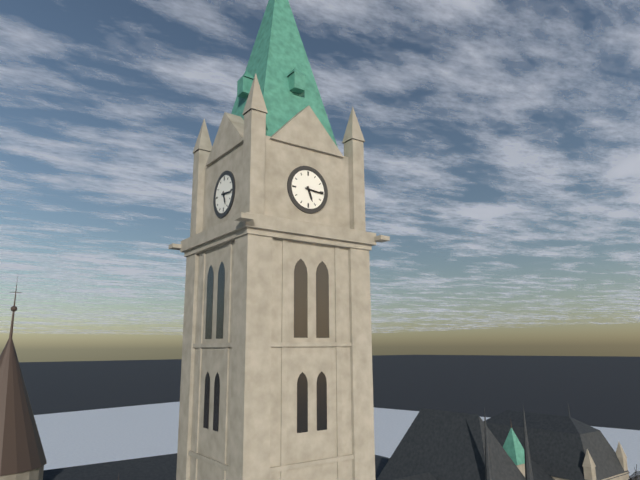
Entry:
5.16
